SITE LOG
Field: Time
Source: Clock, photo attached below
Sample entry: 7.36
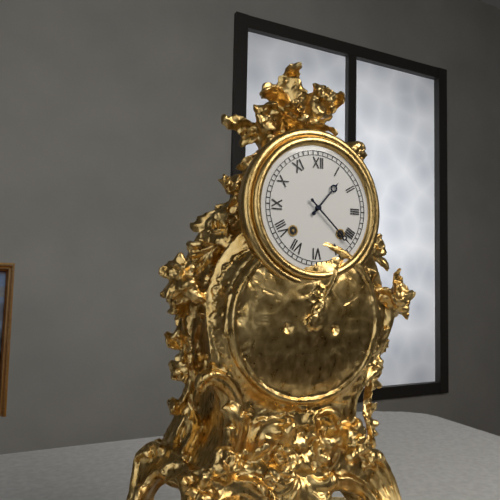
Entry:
1.22
